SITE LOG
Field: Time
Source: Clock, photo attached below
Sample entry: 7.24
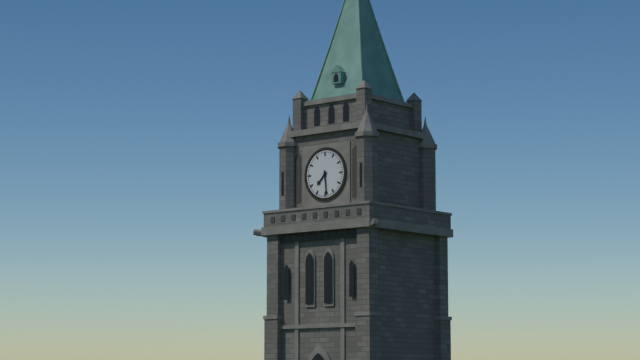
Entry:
7.29
